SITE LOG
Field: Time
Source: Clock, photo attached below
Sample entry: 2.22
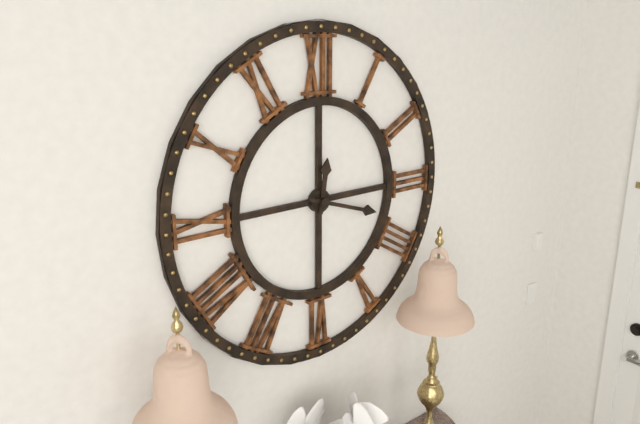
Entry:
12.18
